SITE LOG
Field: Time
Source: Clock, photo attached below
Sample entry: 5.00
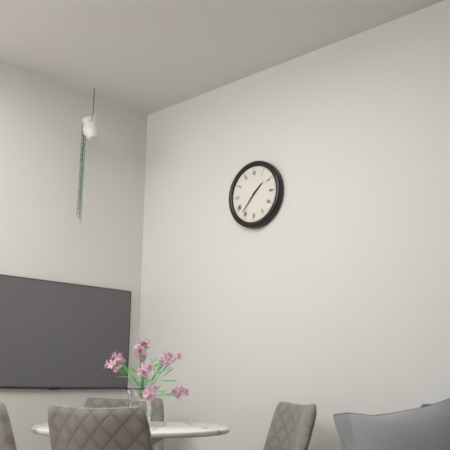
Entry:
1.37
